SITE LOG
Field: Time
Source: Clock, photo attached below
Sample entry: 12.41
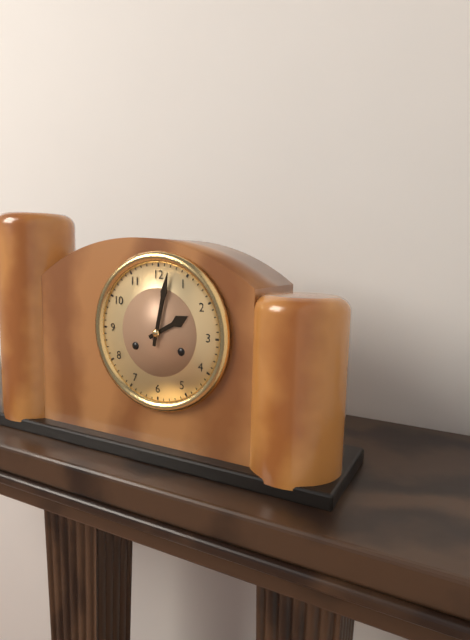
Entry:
2.02
